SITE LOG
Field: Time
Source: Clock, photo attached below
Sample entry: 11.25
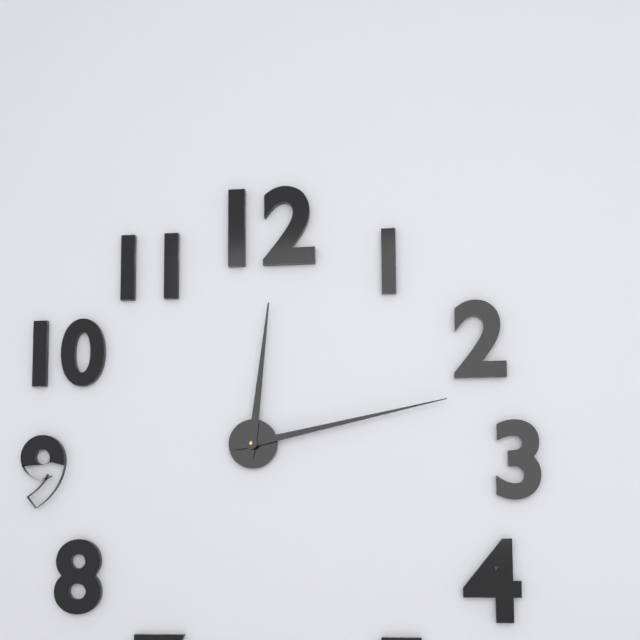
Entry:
12.13
